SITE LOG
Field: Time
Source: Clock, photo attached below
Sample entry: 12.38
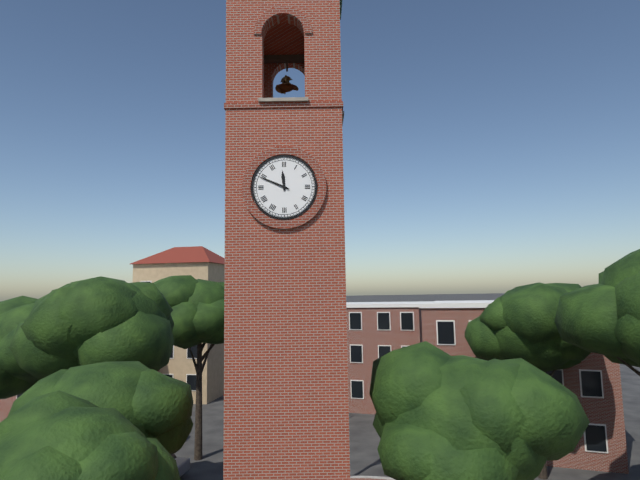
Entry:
11.49
